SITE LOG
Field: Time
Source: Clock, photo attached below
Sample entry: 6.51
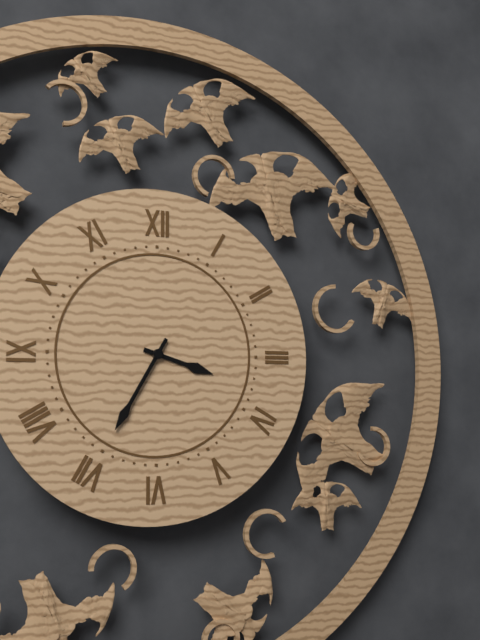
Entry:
3.35
